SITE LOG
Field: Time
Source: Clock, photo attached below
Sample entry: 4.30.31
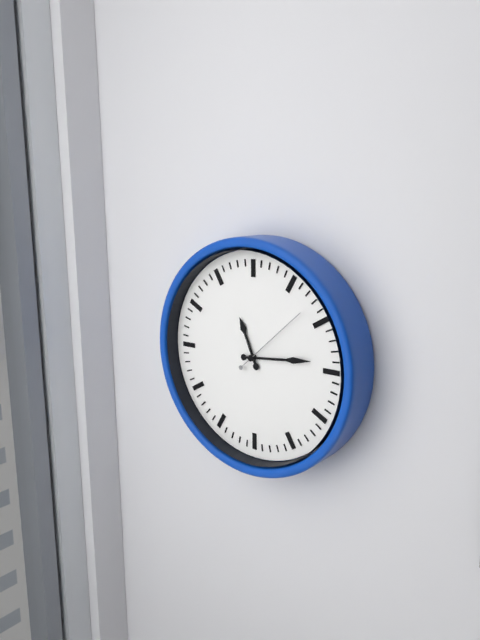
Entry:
11.14.08
